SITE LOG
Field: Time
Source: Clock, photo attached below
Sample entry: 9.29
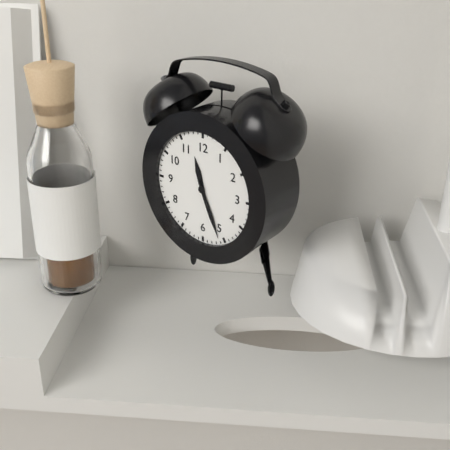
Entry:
11.26
